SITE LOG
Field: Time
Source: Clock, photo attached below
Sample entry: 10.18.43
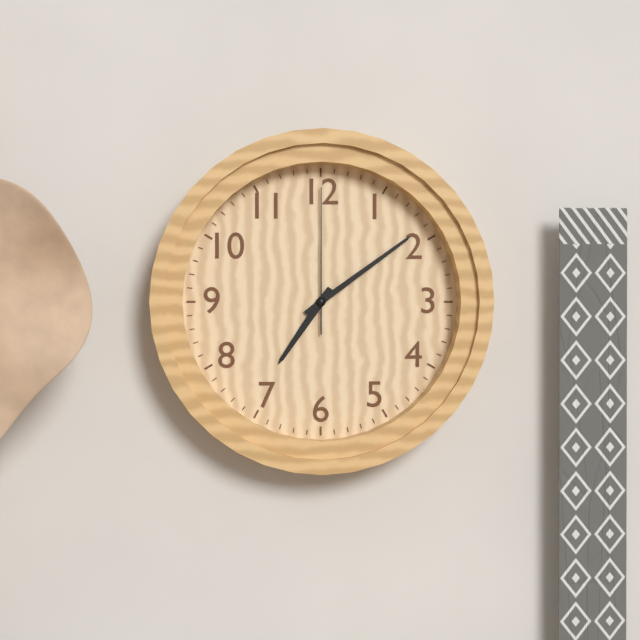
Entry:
7.09.00
